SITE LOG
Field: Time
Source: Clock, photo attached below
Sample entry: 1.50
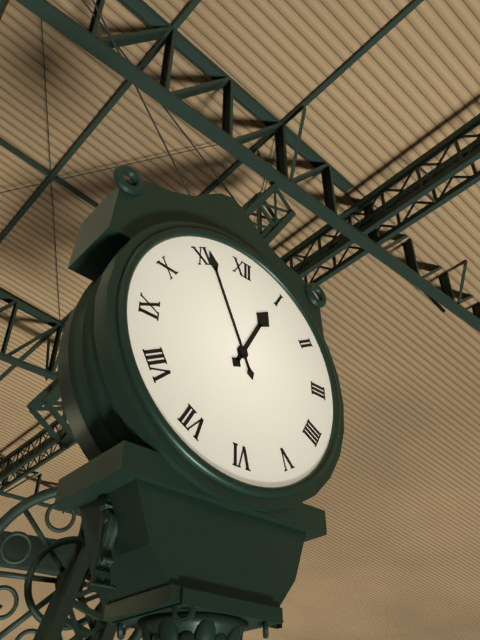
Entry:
12.56
